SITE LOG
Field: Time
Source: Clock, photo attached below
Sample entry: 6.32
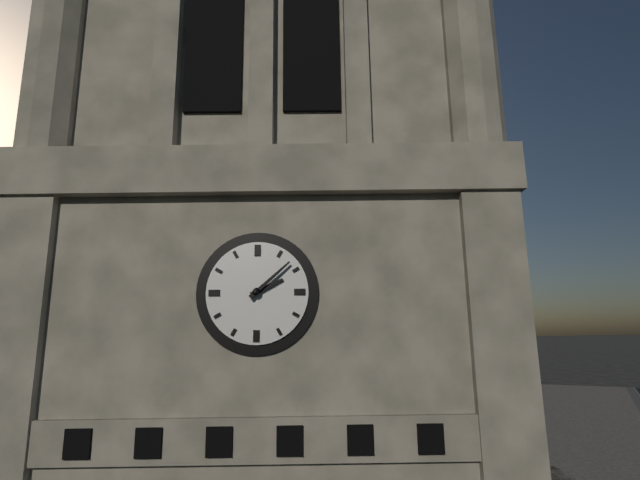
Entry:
2.08
